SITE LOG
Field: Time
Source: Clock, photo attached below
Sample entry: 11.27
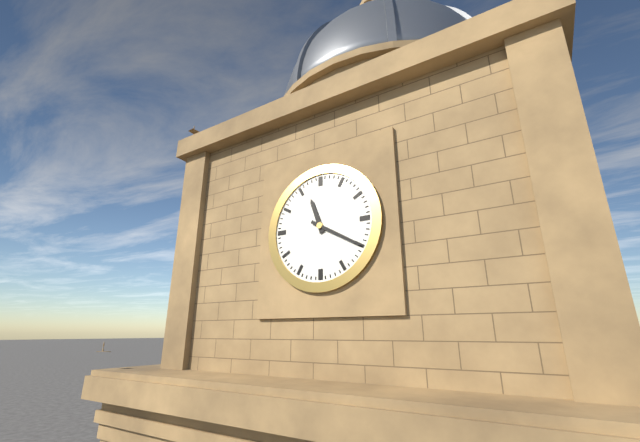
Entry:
11.20
